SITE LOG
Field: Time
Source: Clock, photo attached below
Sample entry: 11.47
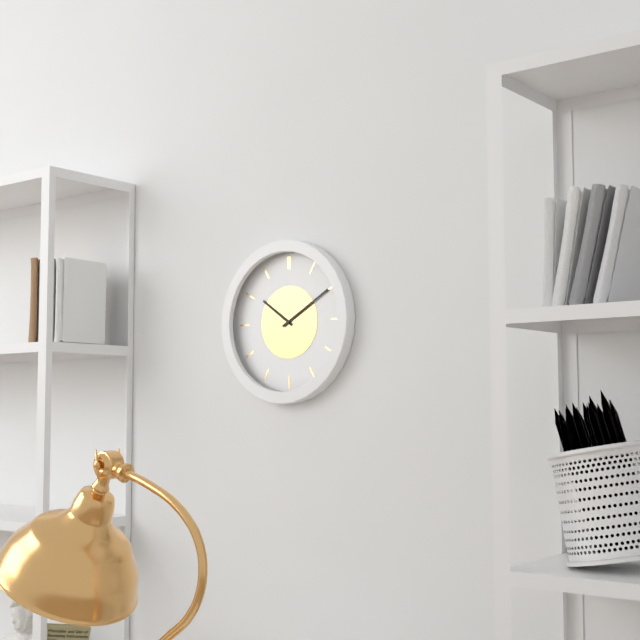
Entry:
10.10
